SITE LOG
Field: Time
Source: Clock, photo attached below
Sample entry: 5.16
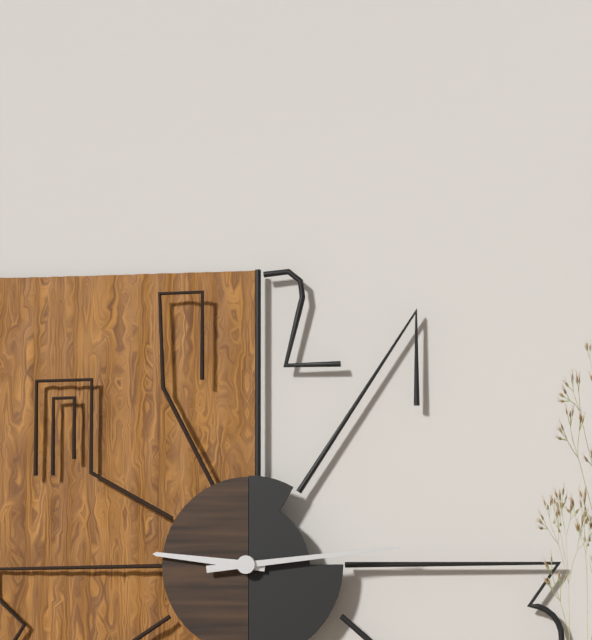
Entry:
9.14
